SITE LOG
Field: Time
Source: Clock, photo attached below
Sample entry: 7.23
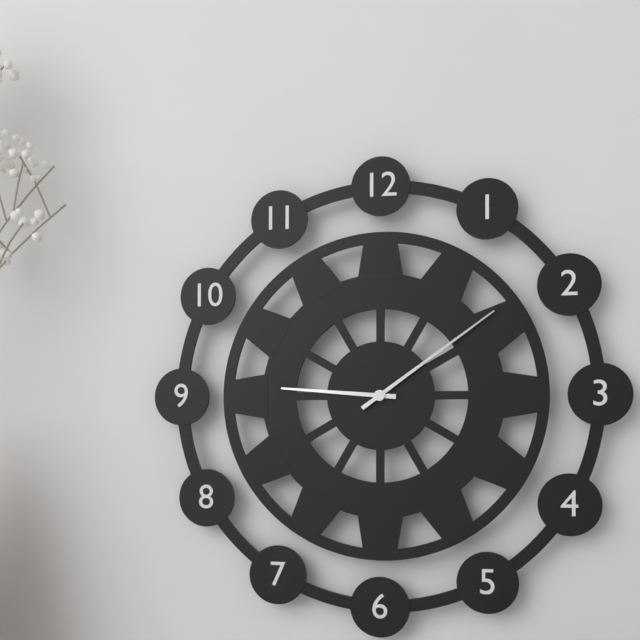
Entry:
9.09
